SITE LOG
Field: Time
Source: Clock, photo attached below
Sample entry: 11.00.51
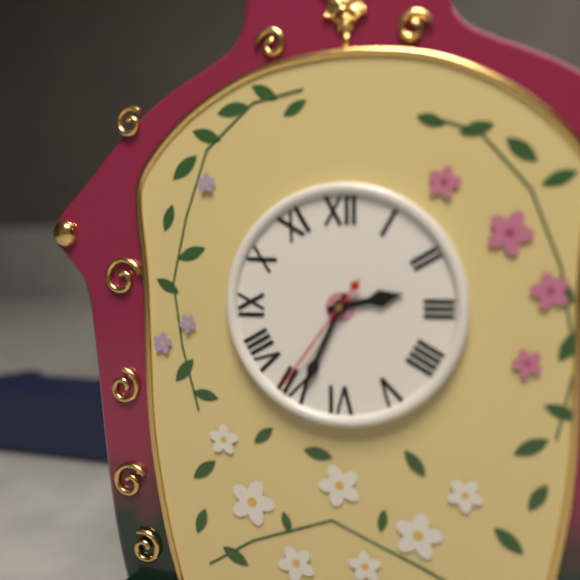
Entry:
2.34.36
